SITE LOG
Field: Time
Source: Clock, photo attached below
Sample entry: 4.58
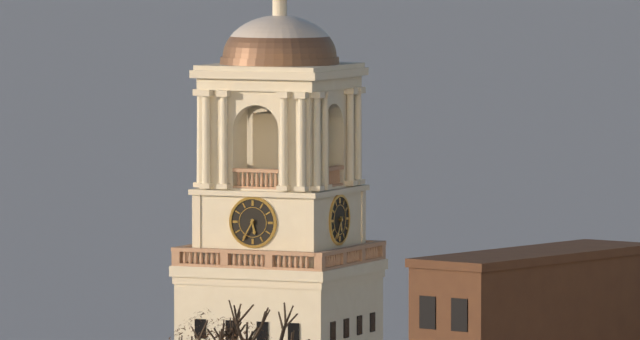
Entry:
5.35
